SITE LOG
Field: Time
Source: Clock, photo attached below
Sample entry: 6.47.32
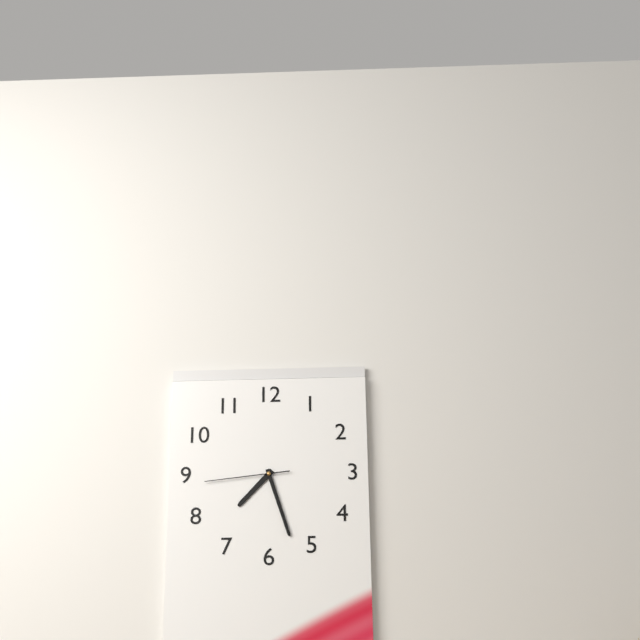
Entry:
7.27.44
